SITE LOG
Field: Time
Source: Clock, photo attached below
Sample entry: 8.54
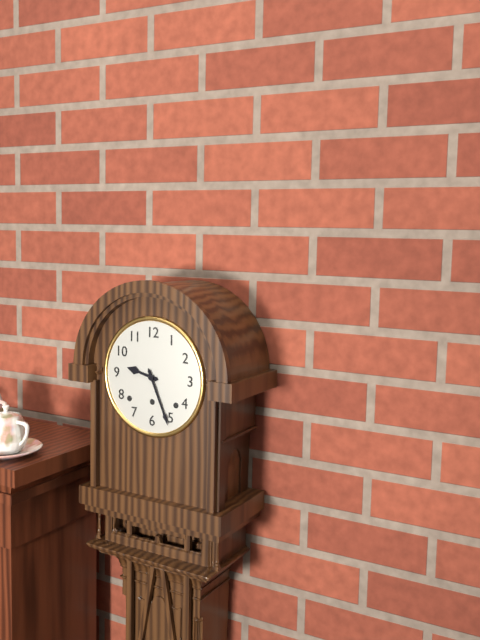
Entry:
9.26
